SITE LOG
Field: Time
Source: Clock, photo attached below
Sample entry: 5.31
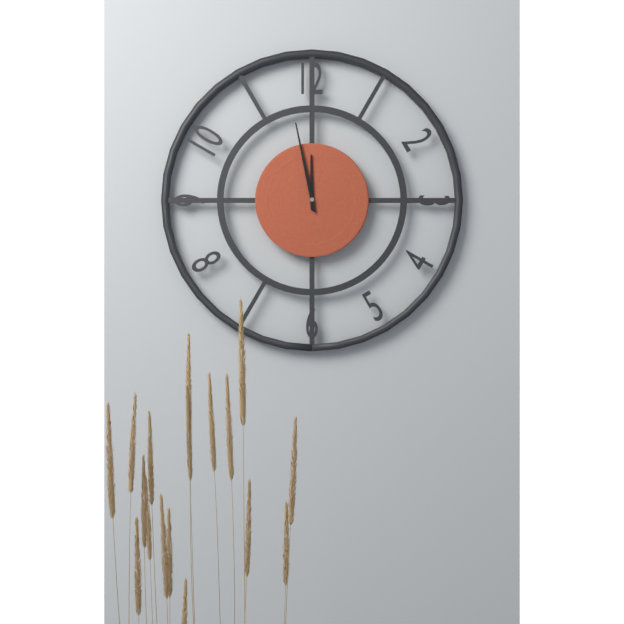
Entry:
11.58
